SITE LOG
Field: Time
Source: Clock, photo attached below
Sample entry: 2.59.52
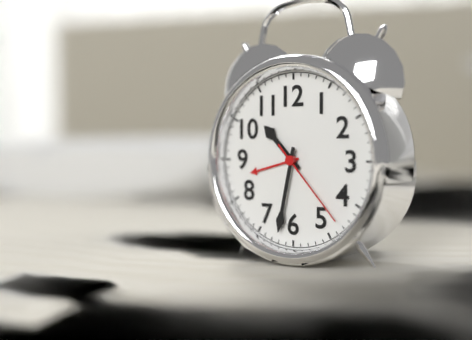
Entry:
10.32.23
